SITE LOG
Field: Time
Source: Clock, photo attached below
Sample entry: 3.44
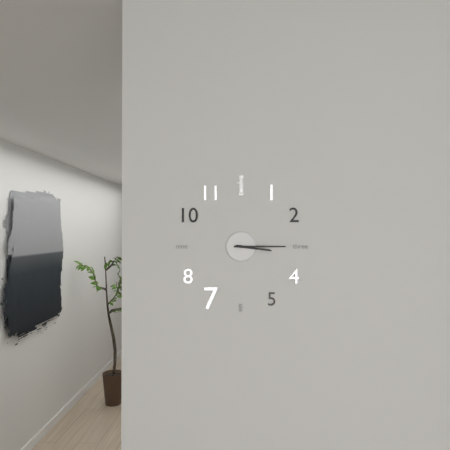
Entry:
3.15
